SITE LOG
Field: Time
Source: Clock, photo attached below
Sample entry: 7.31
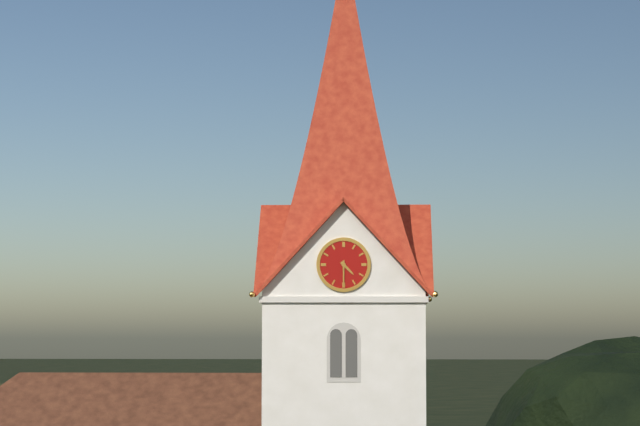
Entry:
4.30
